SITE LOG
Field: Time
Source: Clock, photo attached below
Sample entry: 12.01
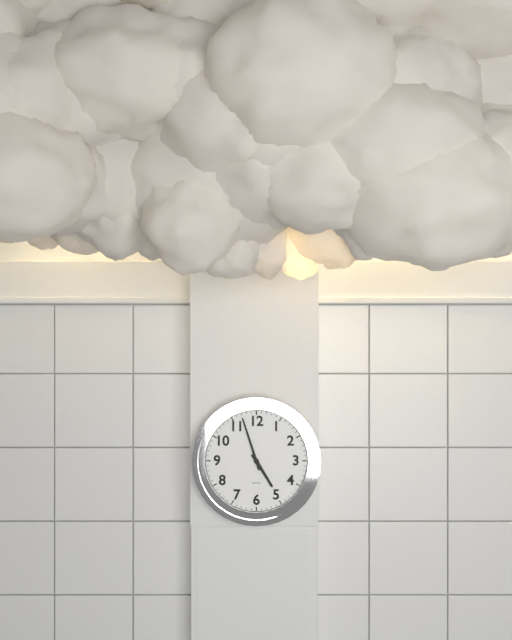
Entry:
4.57
